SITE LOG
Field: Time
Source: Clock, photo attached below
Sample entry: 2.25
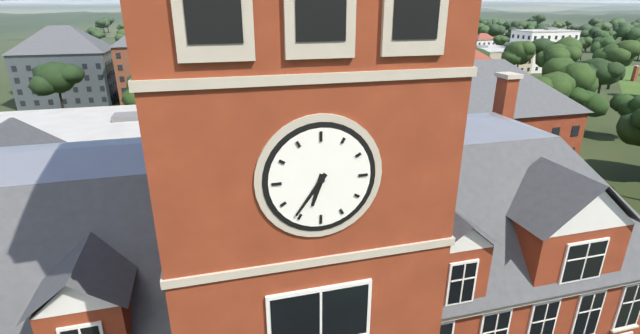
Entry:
6.36
